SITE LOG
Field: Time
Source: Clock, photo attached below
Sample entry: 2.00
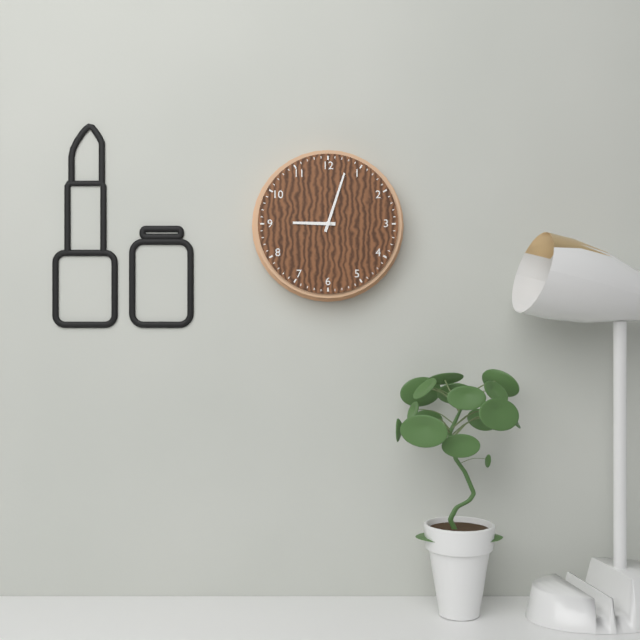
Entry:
9.03
